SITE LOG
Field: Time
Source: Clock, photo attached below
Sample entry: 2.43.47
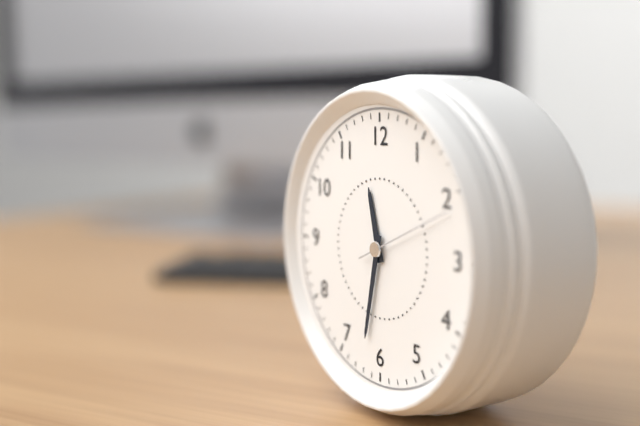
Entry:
11.32.11
